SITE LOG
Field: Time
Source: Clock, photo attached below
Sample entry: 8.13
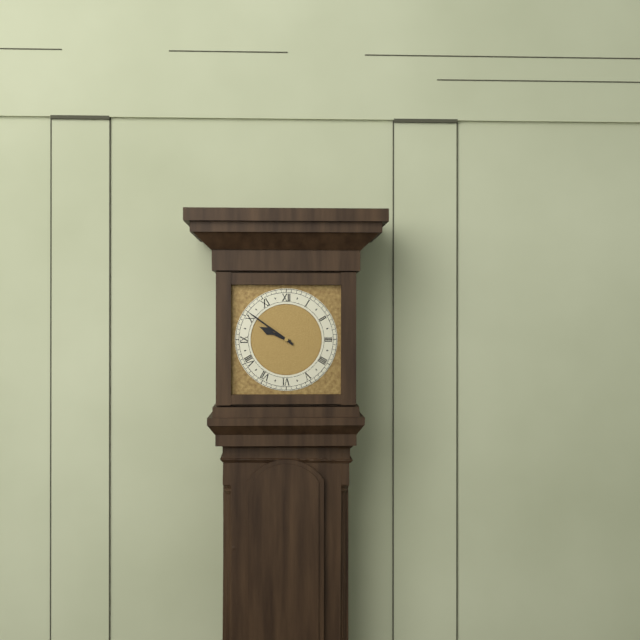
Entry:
9.51
